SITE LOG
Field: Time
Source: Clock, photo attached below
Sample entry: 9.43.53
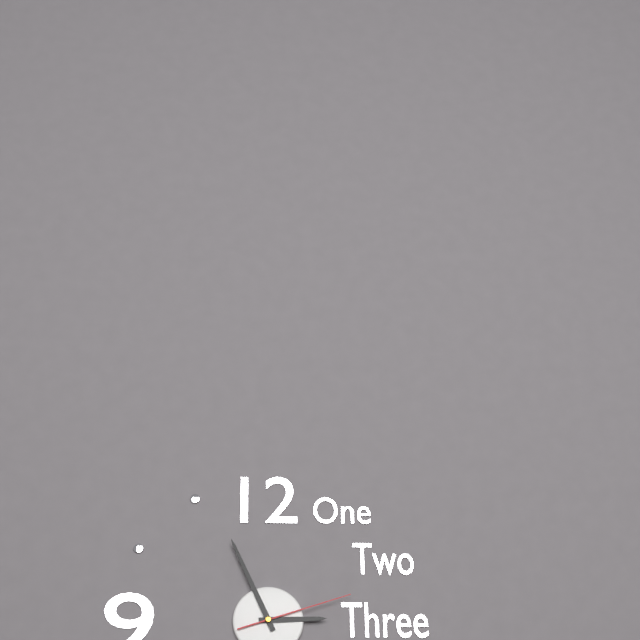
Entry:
2.56.12
